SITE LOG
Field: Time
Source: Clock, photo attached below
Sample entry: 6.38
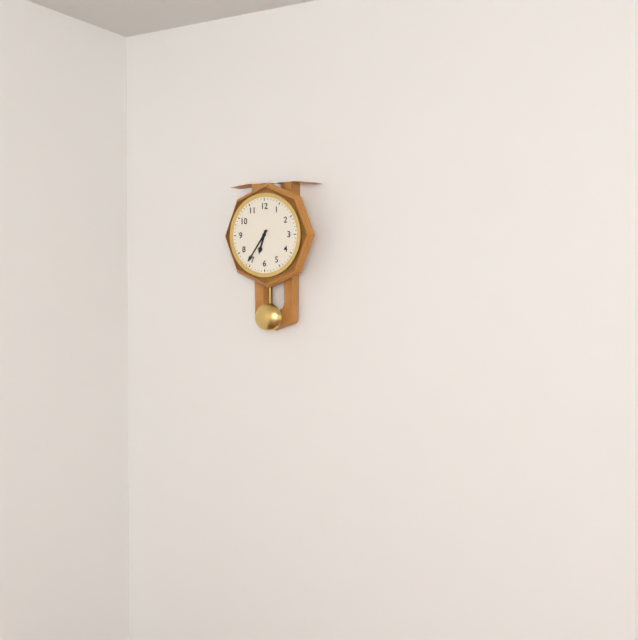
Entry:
6.36
